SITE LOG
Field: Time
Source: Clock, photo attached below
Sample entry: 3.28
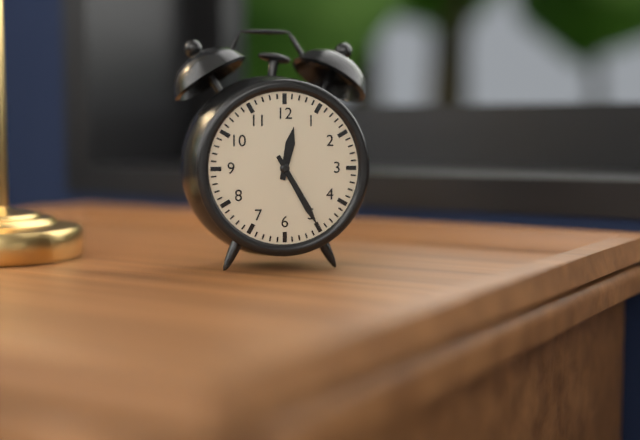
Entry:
12.25
